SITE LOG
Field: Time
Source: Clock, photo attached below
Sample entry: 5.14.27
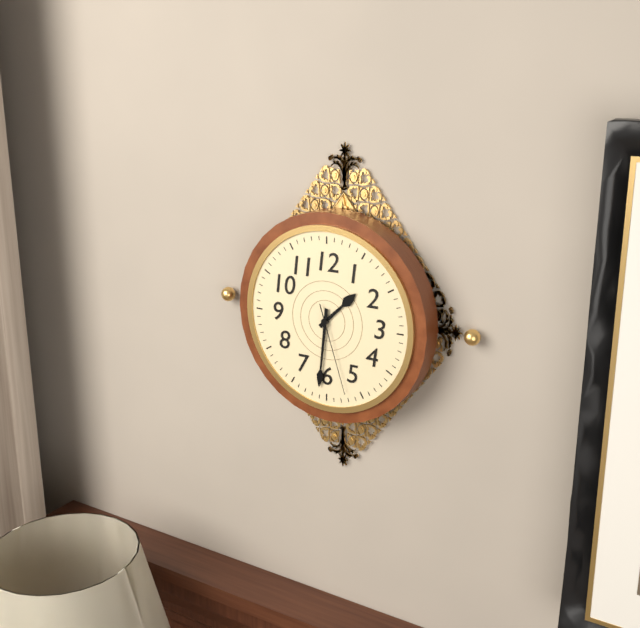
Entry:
1.31.27
